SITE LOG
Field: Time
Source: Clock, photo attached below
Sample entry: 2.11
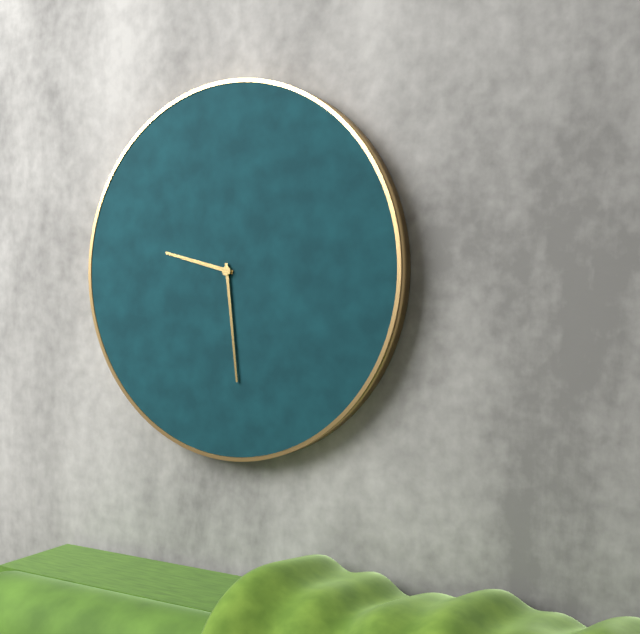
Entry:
9.29
